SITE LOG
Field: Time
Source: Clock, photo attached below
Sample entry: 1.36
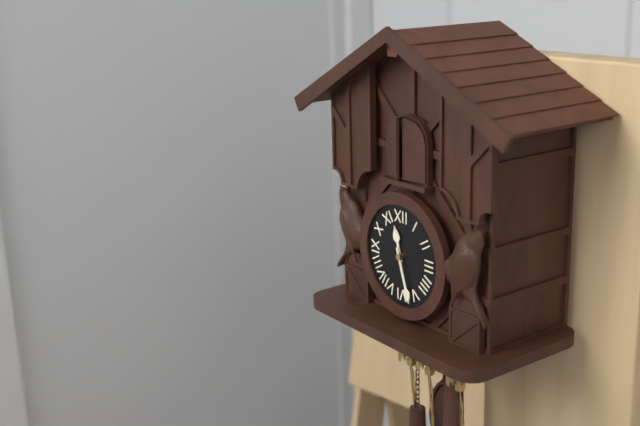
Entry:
11.27
